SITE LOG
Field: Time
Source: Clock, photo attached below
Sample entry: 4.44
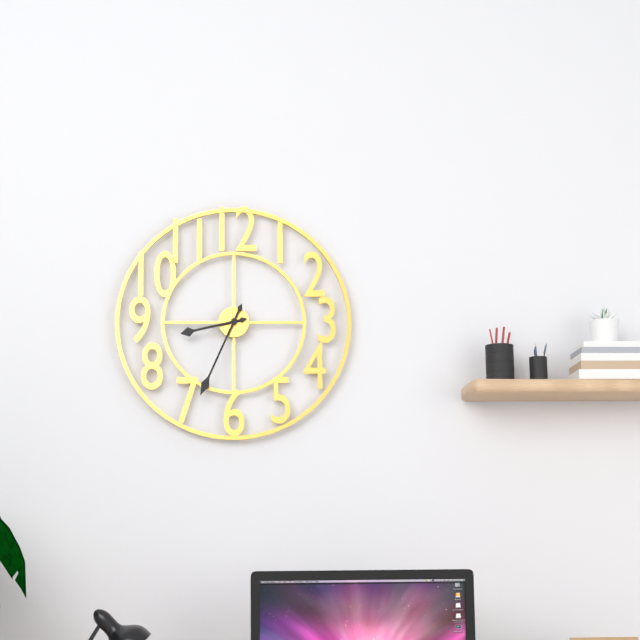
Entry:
8.34
